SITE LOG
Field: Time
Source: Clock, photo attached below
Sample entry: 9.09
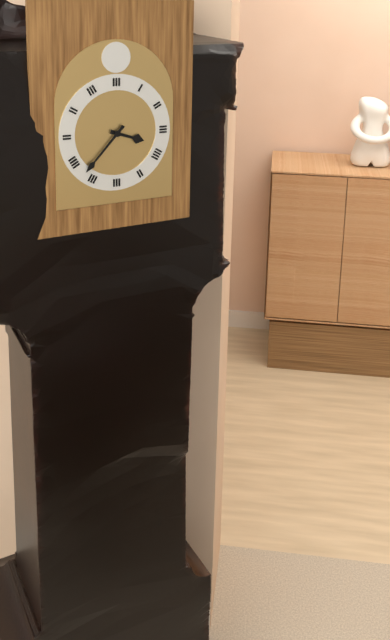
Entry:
3.37
